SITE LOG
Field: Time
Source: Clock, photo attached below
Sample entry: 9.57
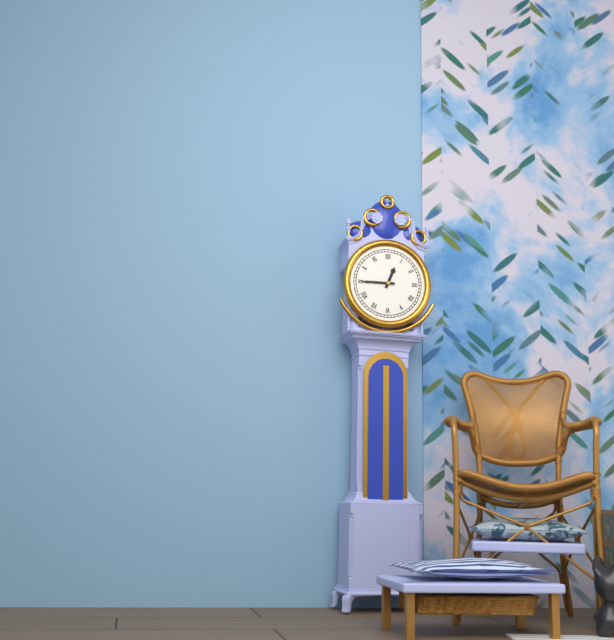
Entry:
12.45
